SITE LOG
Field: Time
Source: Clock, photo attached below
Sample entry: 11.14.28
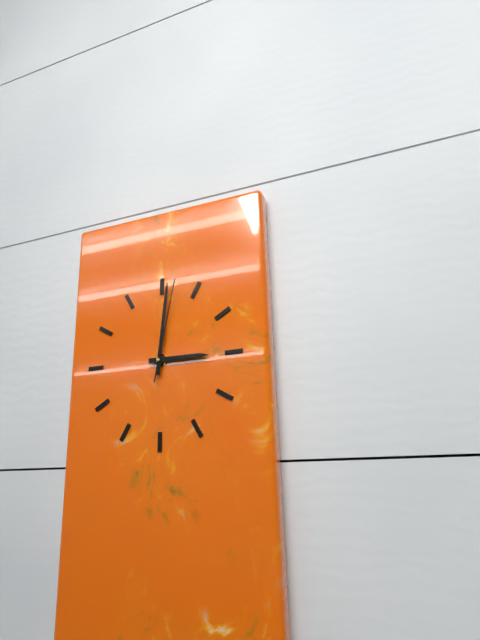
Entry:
3.01.02
